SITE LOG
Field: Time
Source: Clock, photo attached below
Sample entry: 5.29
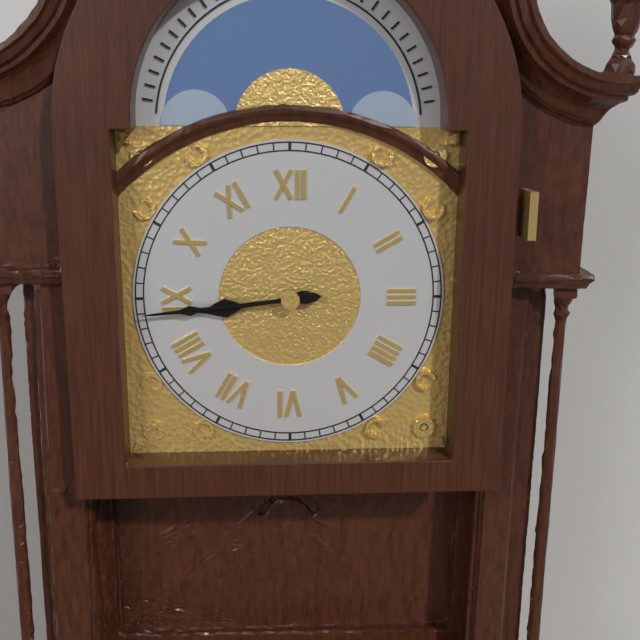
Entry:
8.44
